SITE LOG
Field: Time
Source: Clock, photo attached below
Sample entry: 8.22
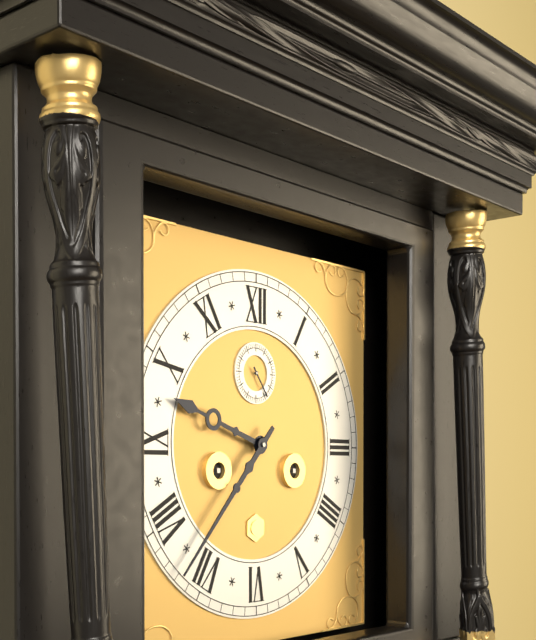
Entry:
9.37
